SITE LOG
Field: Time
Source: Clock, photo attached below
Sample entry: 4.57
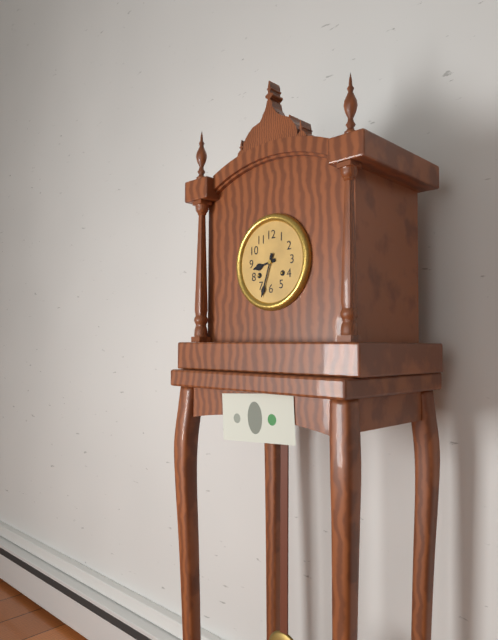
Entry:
8.33
